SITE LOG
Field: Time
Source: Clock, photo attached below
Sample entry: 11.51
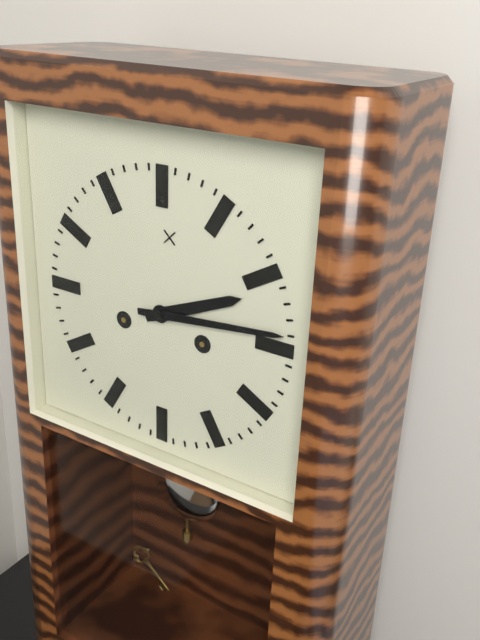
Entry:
2.14
